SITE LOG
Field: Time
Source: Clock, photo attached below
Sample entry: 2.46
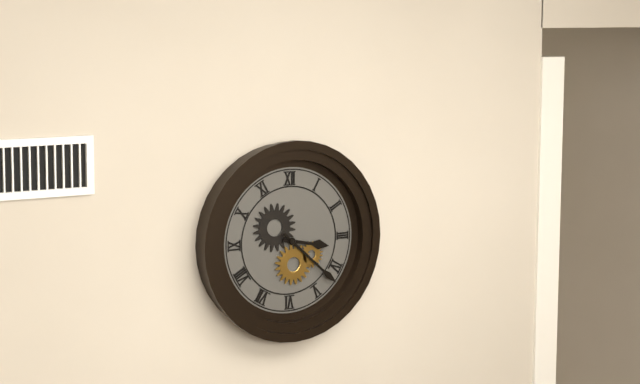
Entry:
3.22
